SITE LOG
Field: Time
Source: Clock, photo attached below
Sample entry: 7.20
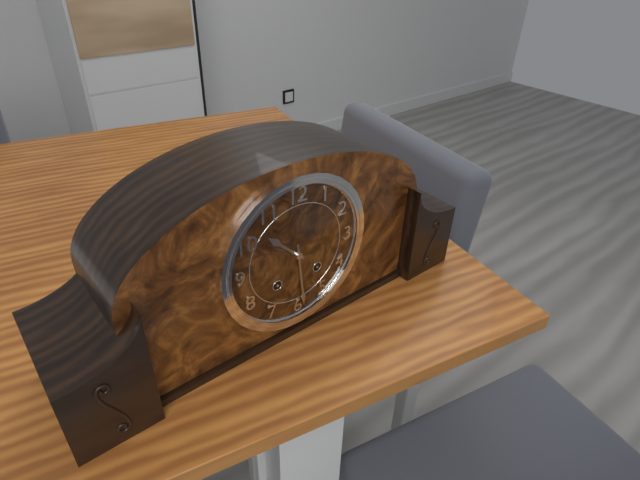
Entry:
10.29
